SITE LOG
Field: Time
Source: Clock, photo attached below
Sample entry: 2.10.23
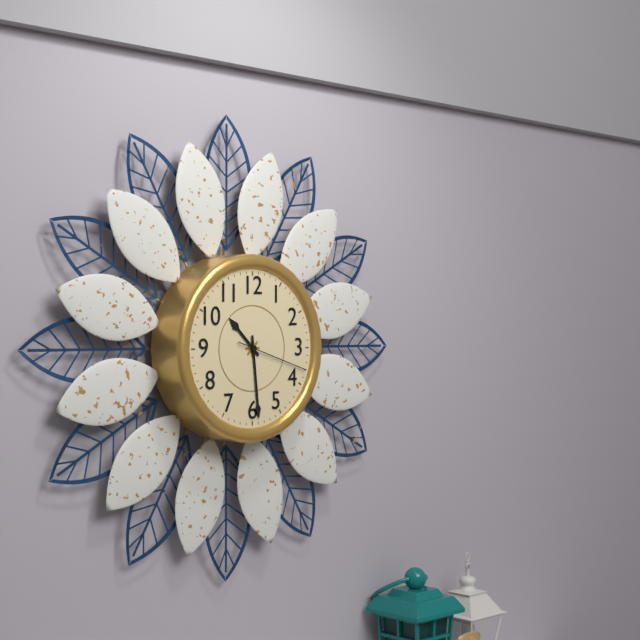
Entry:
10.29.18
